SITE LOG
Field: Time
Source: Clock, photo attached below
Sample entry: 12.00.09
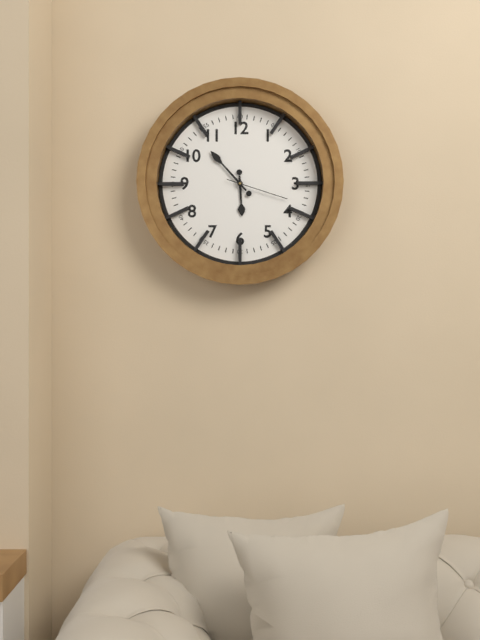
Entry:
5.53.18
